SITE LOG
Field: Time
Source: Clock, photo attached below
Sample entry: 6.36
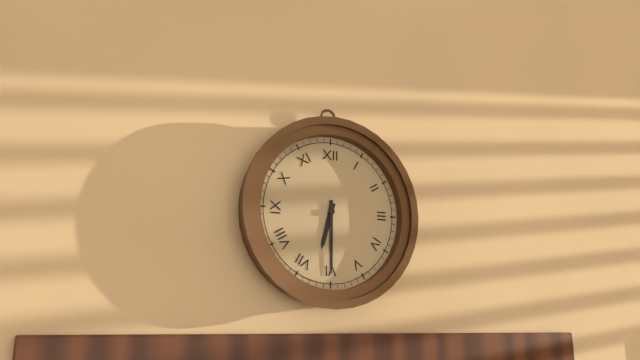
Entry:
6.30
